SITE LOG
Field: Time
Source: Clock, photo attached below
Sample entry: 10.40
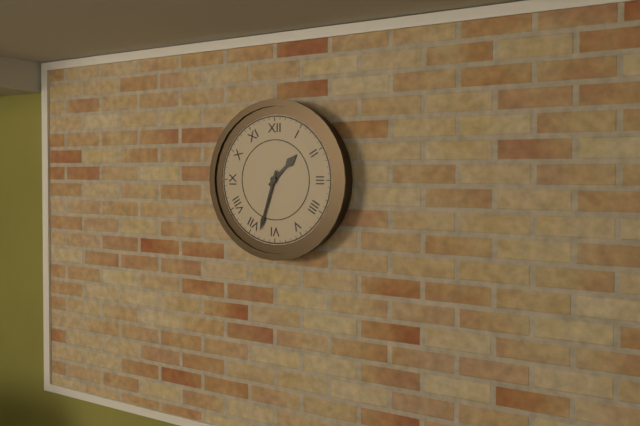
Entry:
1.33
